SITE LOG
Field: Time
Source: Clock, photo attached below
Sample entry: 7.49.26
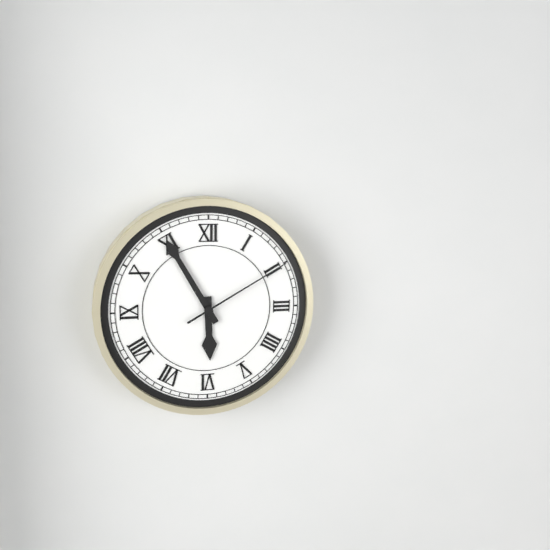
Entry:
5.55.10
